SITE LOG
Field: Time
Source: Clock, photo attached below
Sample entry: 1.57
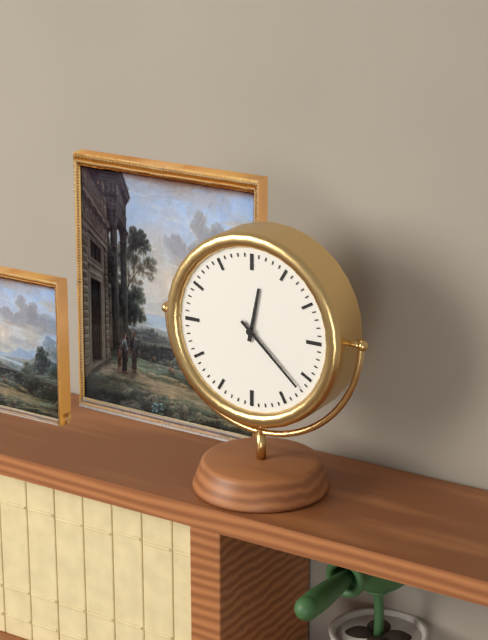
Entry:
12.22
